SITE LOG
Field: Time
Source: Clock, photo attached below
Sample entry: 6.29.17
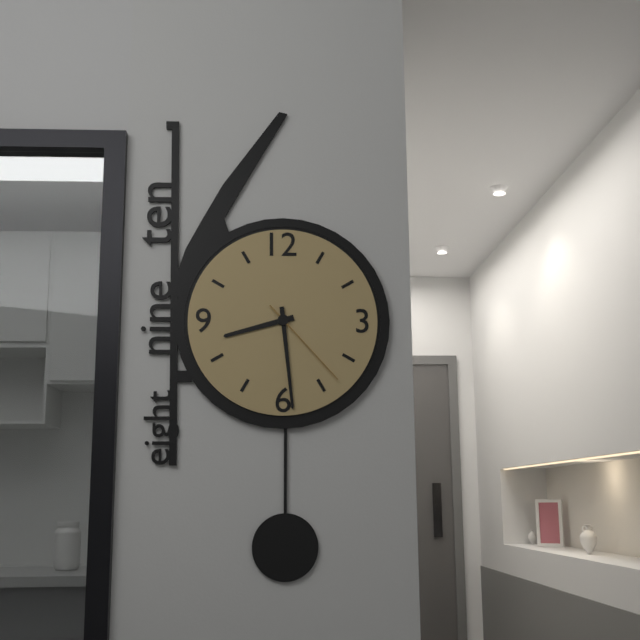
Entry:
8.29.23
